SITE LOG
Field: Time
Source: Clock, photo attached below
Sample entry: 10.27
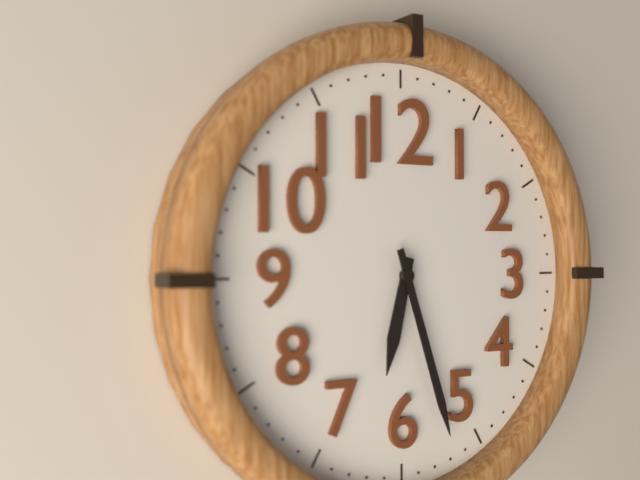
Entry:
6.27
